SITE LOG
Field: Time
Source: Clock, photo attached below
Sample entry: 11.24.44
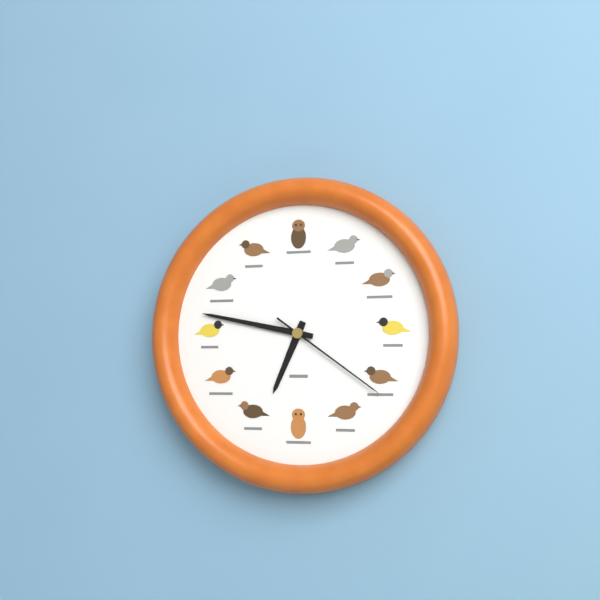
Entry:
6.47.21
